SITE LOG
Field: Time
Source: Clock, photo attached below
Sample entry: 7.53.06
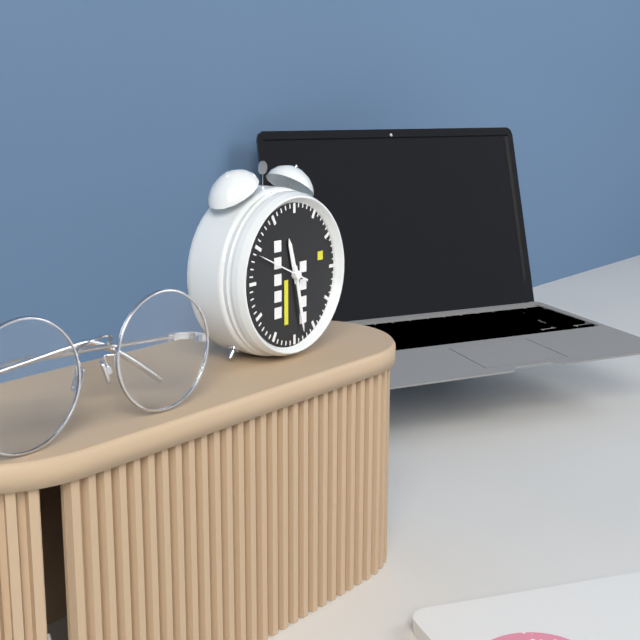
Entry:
11.28.49
